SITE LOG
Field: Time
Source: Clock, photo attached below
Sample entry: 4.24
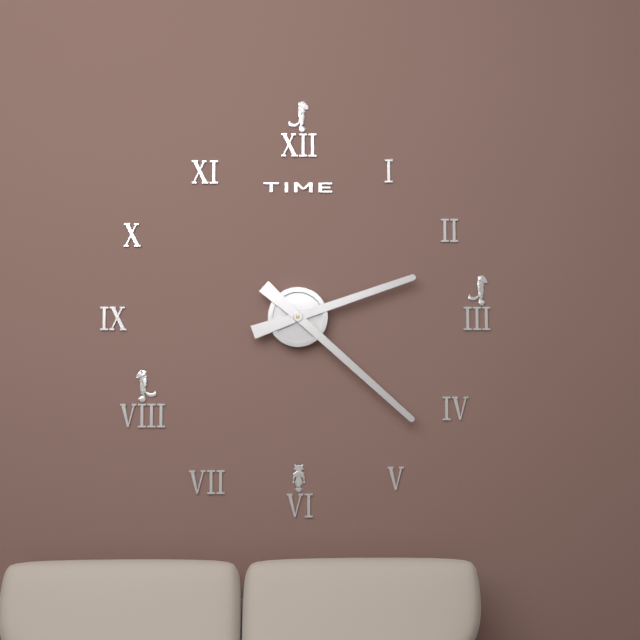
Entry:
2.22
